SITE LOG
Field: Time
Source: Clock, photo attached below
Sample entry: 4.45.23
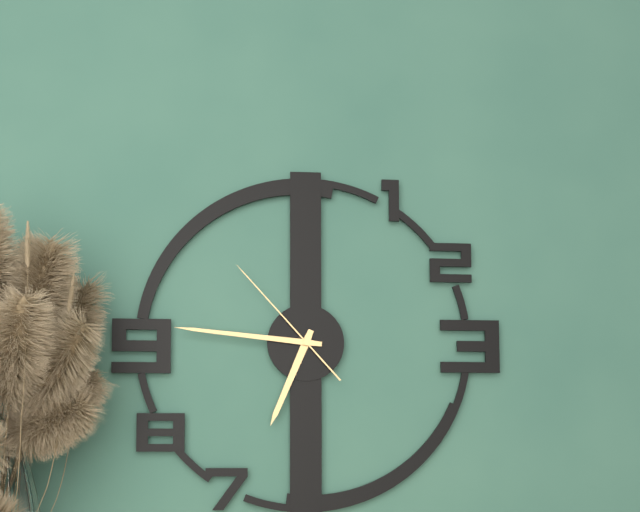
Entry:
6.46.53
